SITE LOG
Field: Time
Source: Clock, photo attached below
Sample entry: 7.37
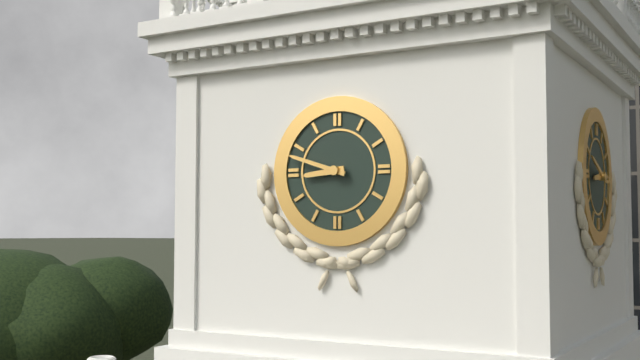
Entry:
8.48
